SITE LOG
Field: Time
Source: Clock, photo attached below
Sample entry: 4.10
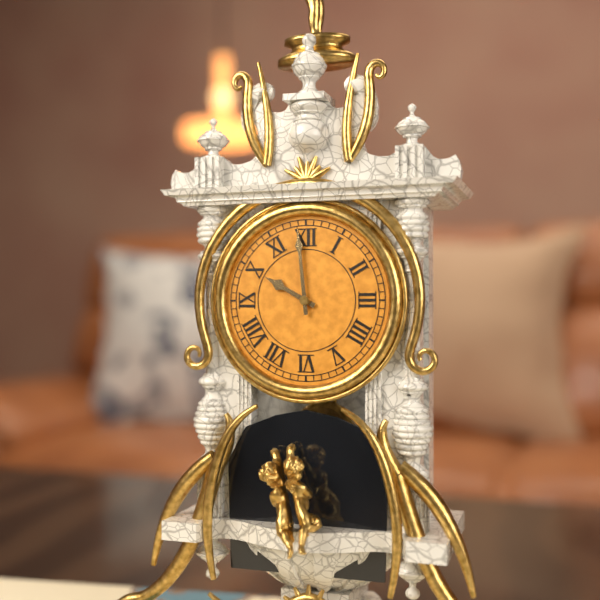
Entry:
9.59
